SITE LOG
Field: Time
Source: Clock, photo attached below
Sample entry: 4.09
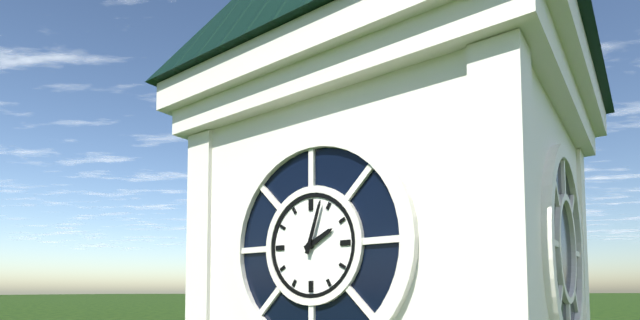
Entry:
2.03
